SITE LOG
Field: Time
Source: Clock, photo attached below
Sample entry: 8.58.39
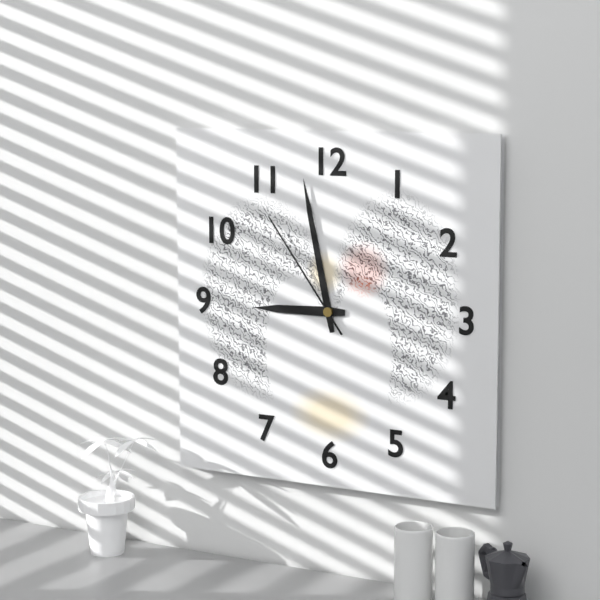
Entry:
8.58.54
